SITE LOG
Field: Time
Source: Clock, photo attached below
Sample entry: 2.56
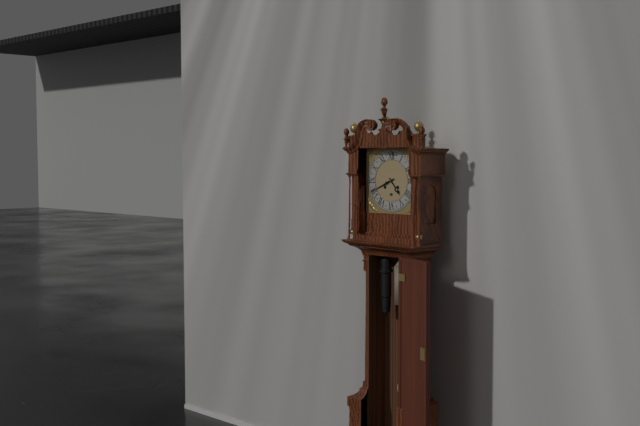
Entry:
4.41
